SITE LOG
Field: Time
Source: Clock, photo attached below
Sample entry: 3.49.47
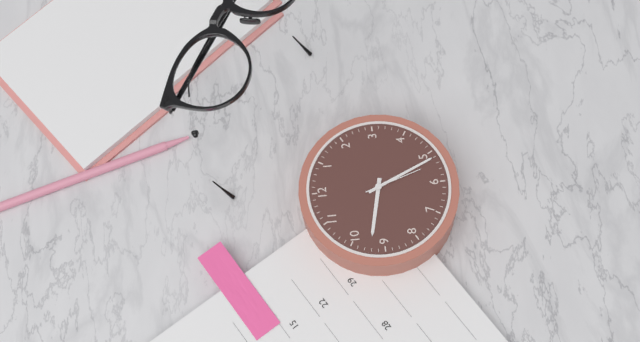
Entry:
9.26.27
